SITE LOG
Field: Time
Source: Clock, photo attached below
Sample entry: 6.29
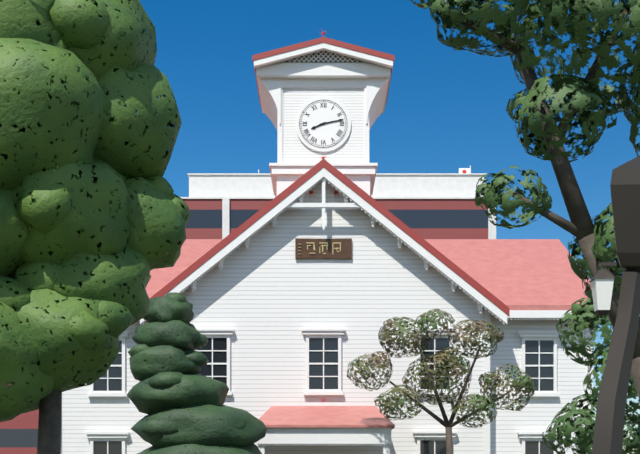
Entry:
8.13
